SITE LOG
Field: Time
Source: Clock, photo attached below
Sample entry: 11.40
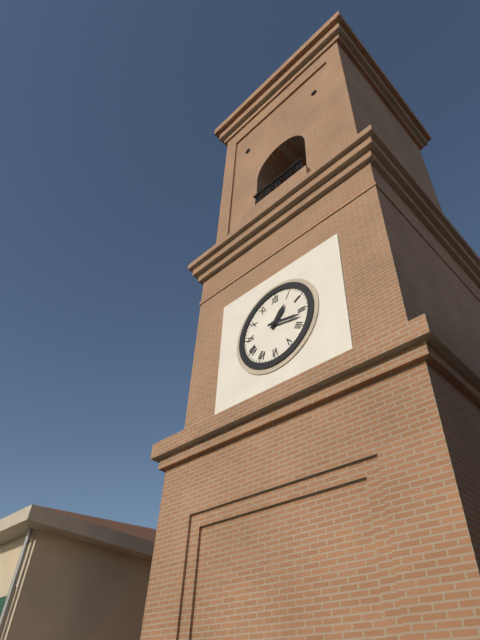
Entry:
1.17
